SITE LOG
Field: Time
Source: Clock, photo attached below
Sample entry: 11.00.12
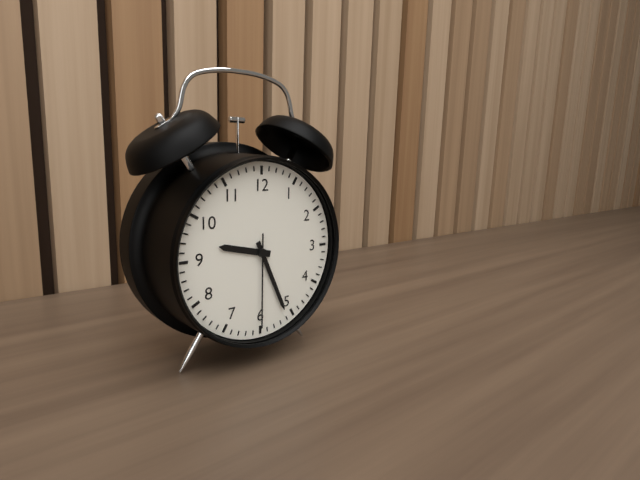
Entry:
9.26.30
